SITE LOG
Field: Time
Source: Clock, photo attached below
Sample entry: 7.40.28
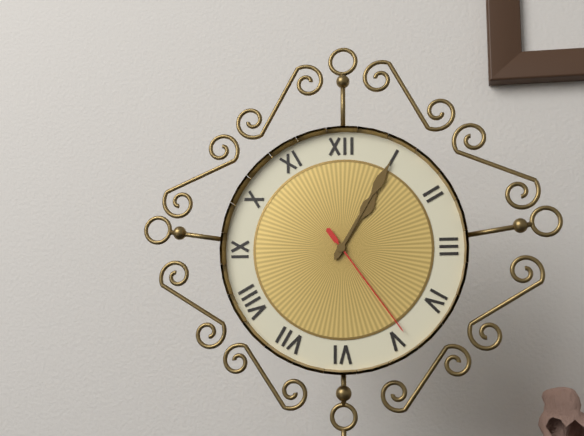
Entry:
1.05.24
